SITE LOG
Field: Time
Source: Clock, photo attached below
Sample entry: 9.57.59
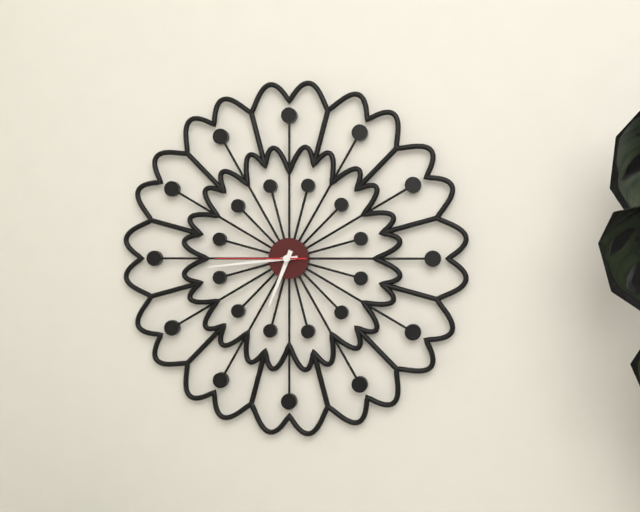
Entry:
6.44.45
